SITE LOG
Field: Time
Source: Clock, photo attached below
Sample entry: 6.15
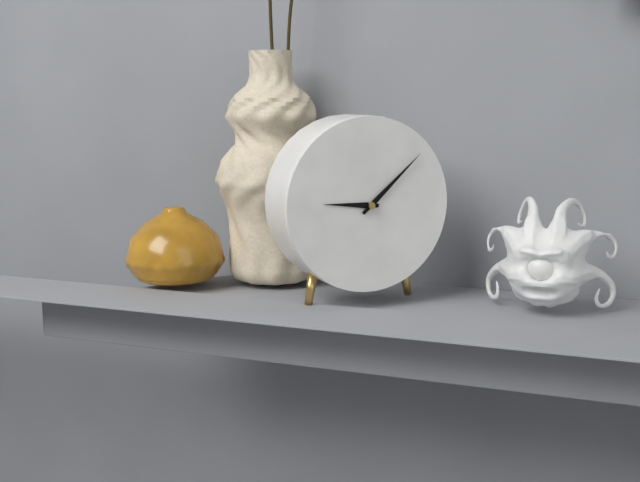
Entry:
9.08
